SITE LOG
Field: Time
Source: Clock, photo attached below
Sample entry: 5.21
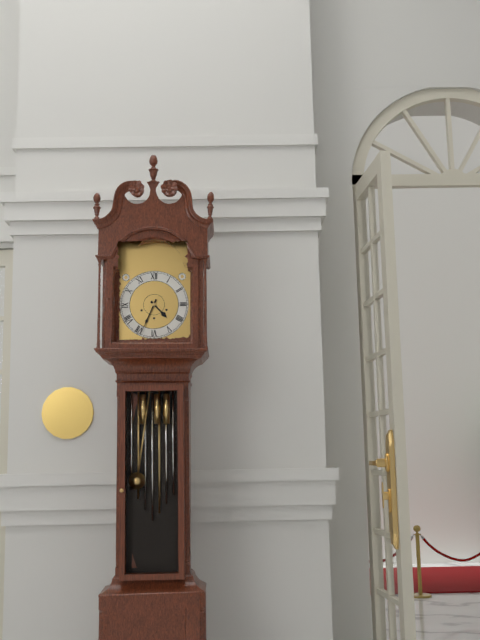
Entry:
4.34
